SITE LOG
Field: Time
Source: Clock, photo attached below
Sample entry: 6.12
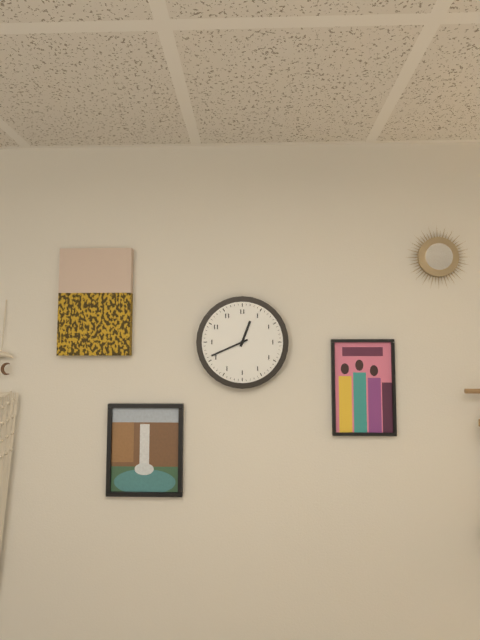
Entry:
12.41
